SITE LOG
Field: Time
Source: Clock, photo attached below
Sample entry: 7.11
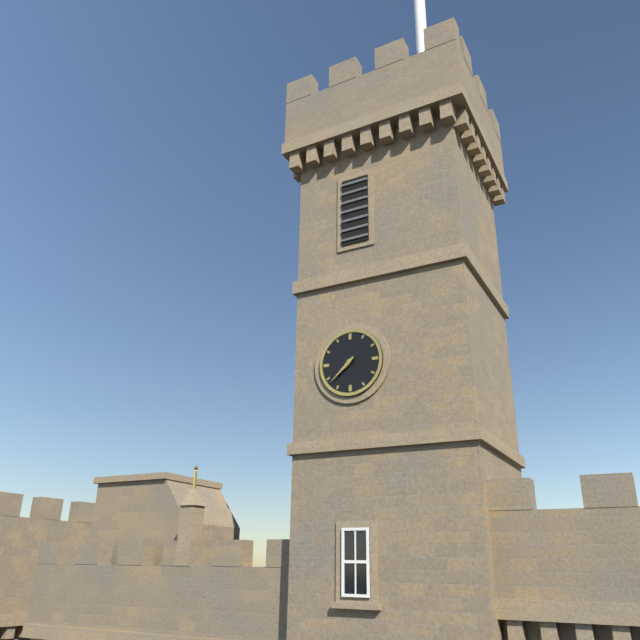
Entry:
7.38
